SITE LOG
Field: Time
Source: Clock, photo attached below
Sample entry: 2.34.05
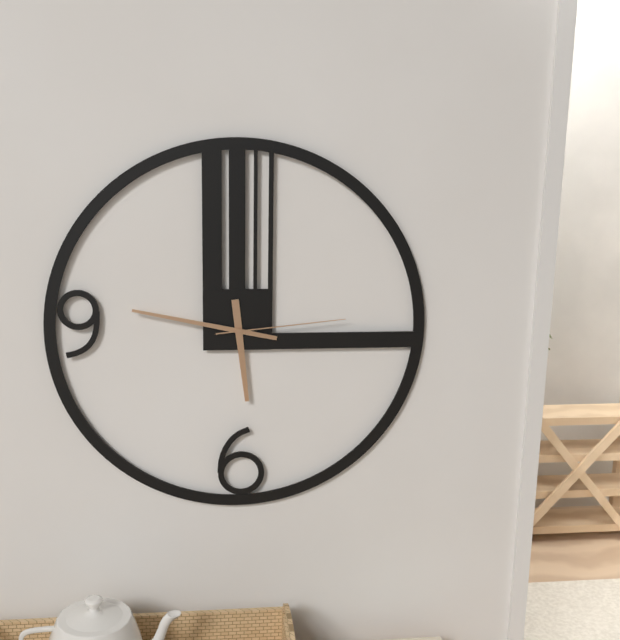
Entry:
5.47.14
